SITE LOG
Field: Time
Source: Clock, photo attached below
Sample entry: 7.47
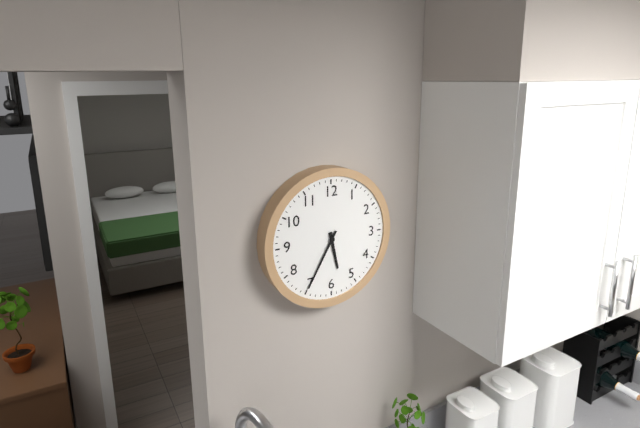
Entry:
5.35
